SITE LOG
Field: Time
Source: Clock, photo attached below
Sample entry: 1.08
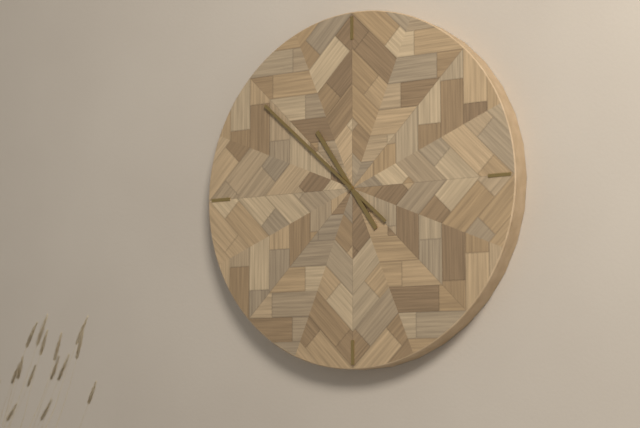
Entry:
10.52
